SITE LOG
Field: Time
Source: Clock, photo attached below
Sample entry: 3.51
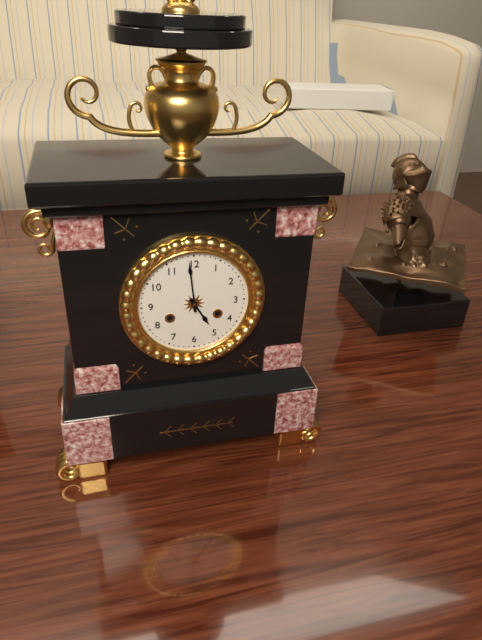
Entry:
4.59
